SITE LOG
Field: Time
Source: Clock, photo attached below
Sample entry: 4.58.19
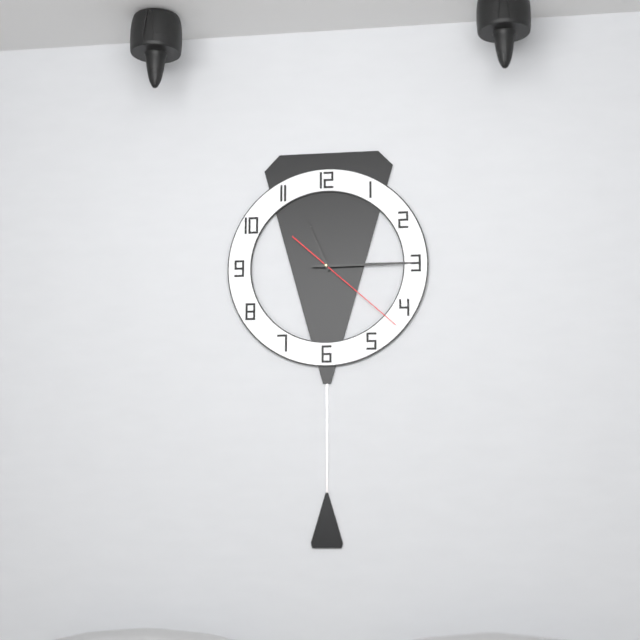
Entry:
11.15.22
